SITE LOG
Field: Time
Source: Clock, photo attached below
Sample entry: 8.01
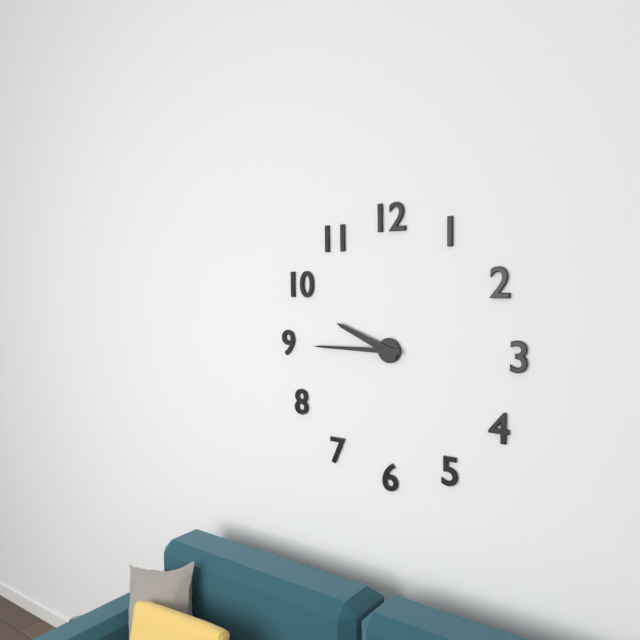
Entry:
9.45
